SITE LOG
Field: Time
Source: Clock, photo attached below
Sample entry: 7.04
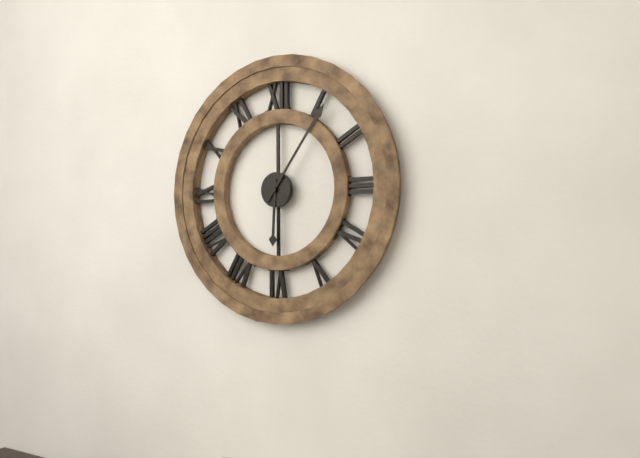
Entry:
6.06
